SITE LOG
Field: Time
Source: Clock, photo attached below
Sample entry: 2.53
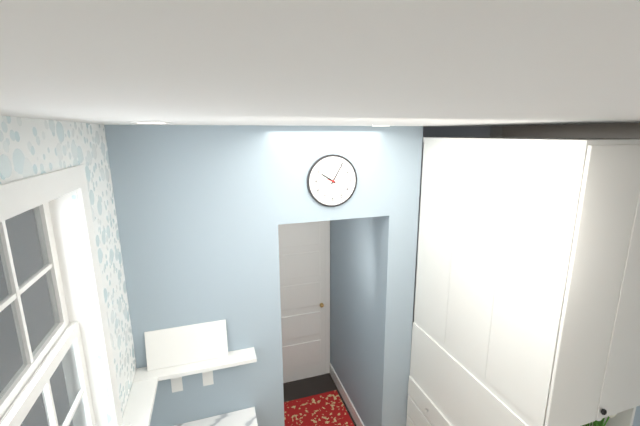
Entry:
10.05
